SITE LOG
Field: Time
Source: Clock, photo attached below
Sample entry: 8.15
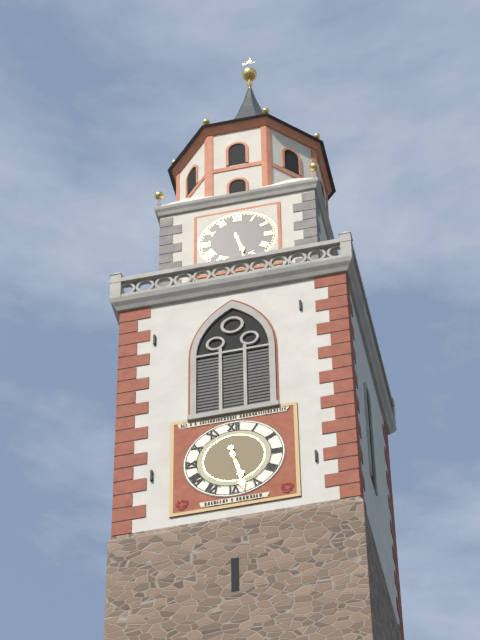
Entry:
5.28
